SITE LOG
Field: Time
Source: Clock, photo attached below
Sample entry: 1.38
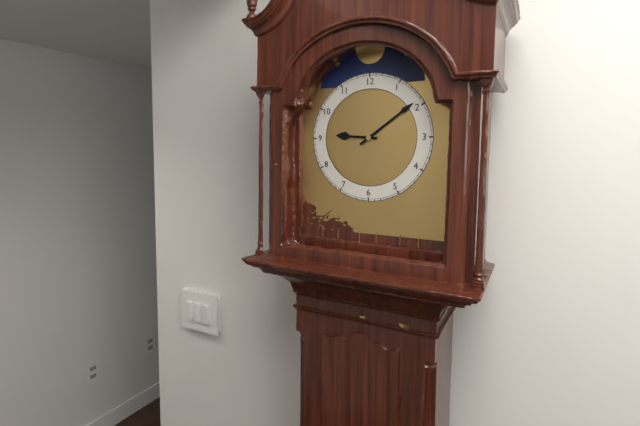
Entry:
9.09
